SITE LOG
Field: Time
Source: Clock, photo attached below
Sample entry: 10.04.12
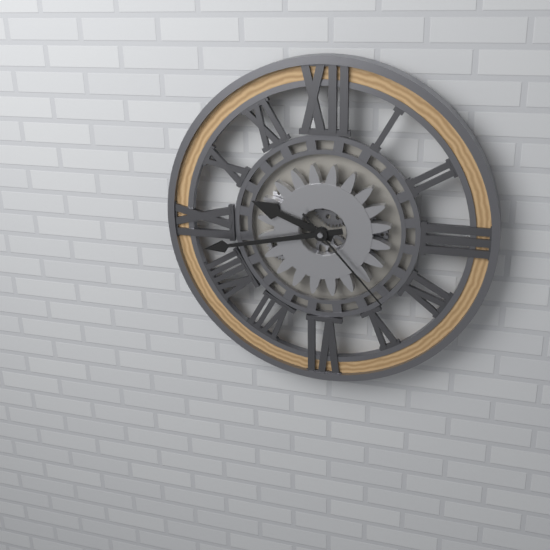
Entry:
9.43.23
